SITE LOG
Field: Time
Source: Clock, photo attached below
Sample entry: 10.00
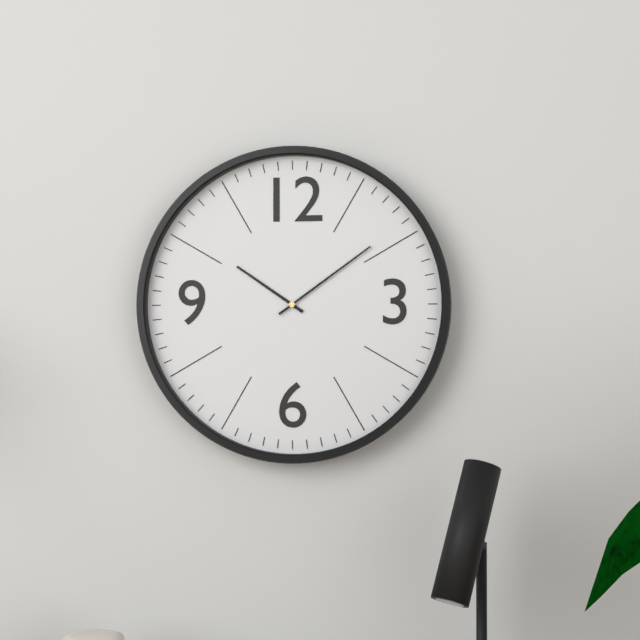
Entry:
10.09
